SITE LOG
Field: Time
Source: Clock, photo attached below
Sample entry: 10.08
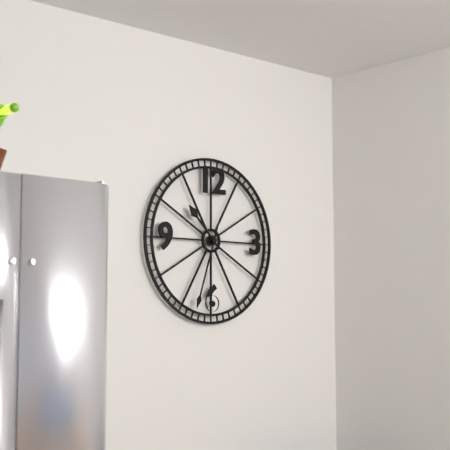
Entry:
10.33
